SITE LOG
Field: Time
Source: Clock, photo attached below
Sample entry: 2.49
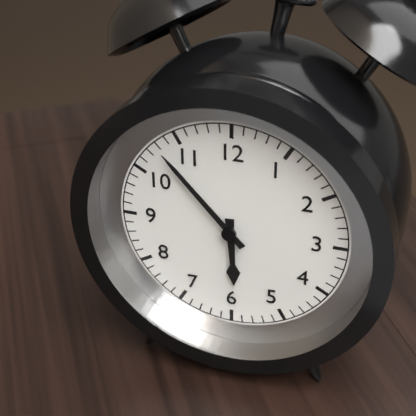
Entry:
5.53
